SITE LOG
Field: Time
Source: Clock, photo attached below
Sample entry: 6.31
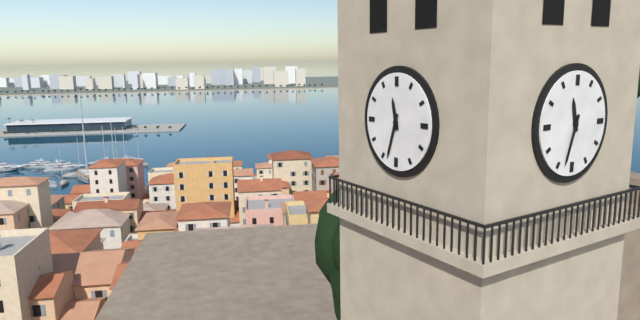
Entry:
11.33
